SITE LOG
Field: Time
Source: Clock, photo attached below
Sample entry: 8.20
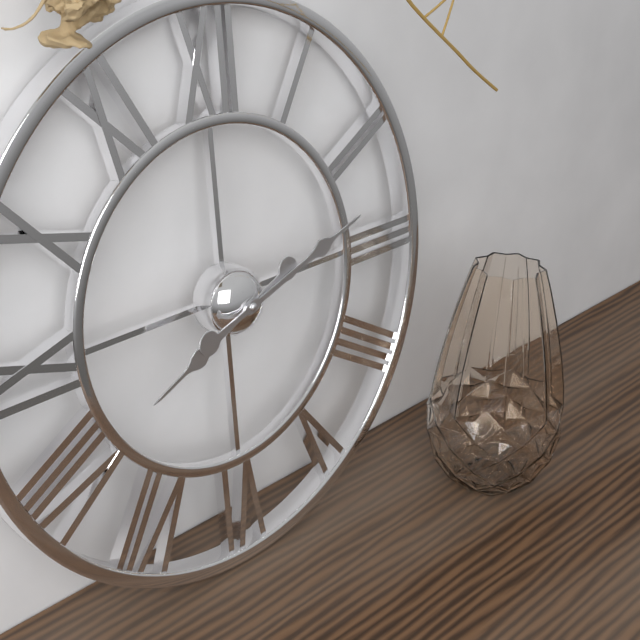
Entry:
8.12
